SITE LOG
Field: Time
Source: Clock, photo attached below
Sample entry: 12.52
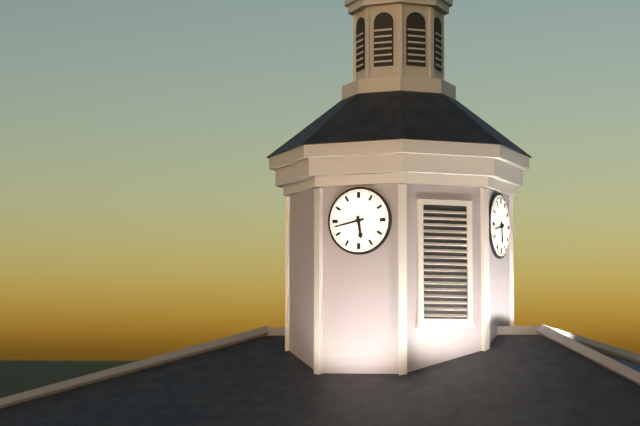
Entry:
5.43
